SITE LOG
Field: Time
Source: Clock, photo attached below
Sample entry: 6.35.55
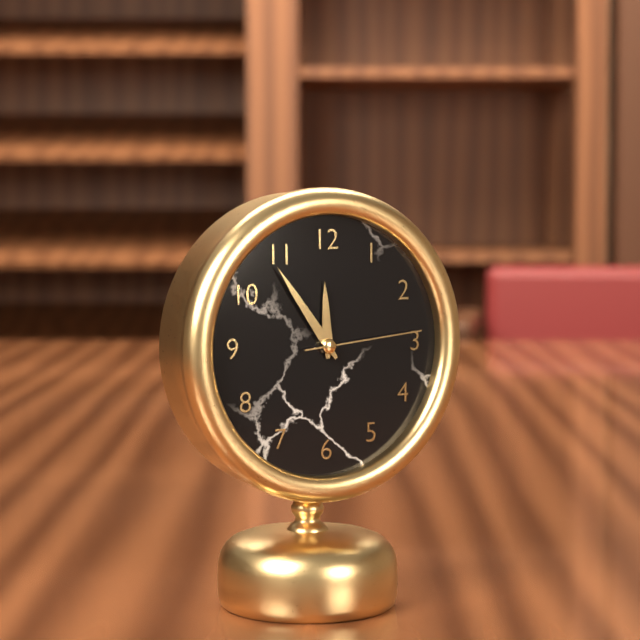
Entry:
11.54.14
